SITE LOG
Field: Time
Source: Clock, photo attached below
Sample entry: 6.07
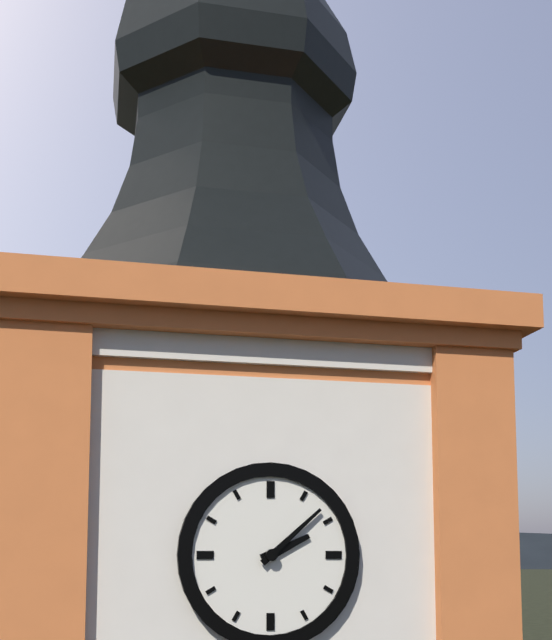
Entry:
2.08
